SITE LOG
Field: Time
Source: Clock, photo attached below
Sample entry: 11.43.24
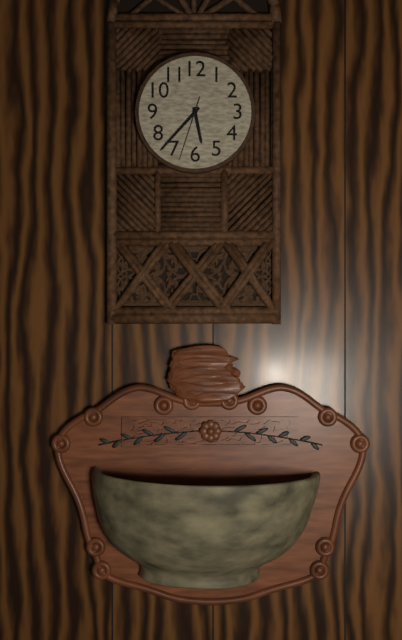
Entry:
5.37.33
